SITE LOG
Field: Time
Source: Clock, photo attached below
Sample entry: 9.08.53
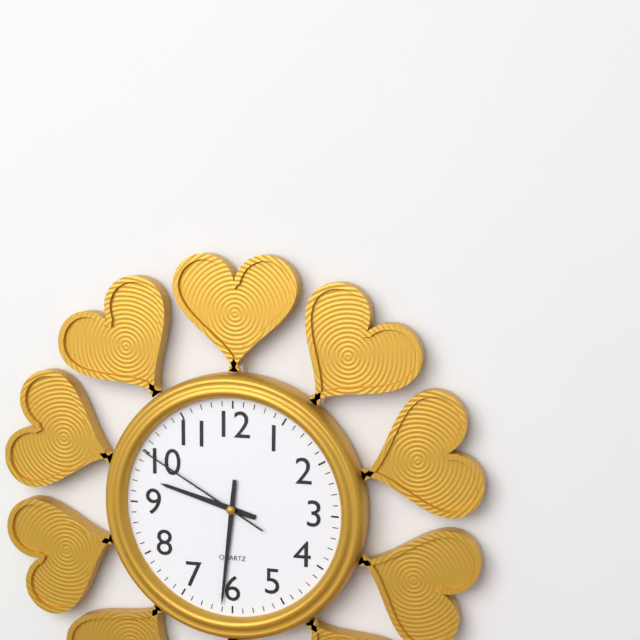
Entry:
9.31.50
